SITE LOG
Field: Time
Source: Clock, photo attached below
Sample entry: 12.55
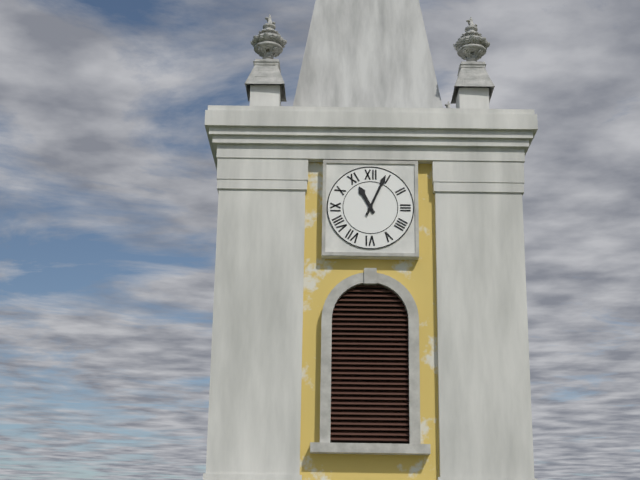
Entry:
11.04
